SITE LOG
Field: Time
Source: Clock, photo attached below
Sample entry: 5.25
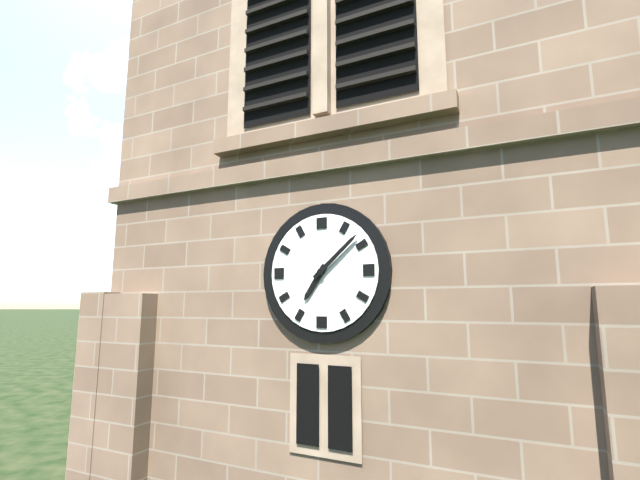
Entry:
7.08
